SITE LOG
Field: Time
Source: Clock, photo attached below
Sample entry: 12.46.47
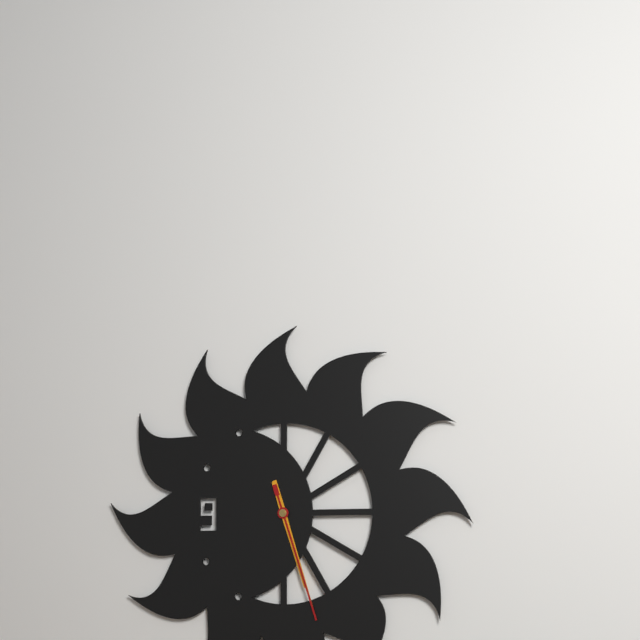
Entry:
5.27.27
